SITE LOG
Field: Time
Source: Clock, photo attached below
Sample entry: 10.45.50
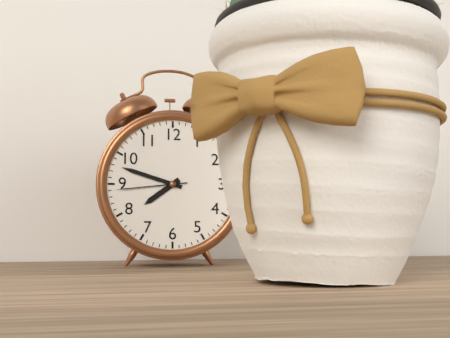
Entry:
7.48.44
